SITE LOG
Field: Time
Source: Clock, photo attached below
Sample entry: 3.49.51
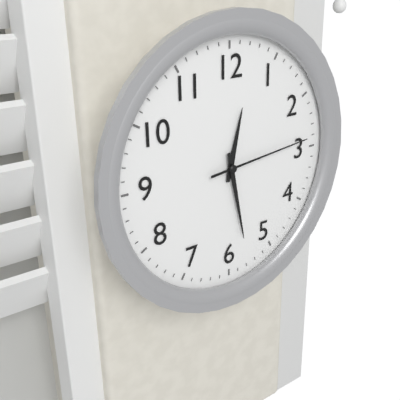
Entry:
12.28.14
